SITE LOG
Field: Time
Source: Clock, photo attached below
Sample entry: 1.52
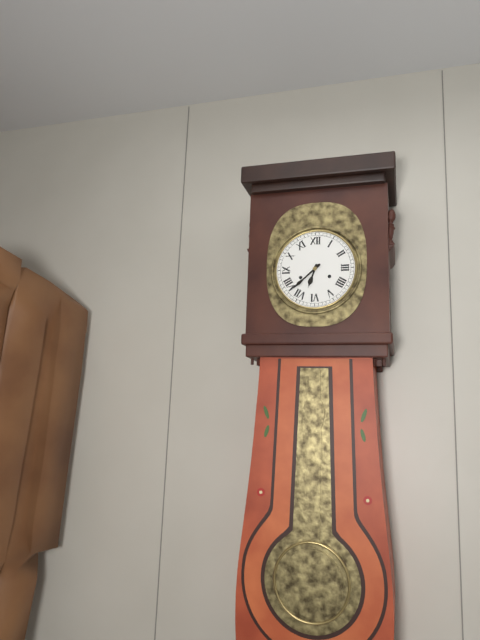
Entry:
6.38
